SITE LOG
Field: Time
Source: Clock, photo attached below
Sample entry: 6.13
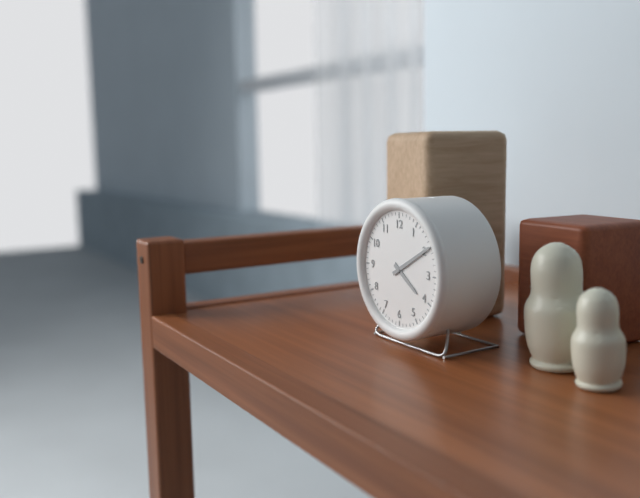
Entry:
4.10
